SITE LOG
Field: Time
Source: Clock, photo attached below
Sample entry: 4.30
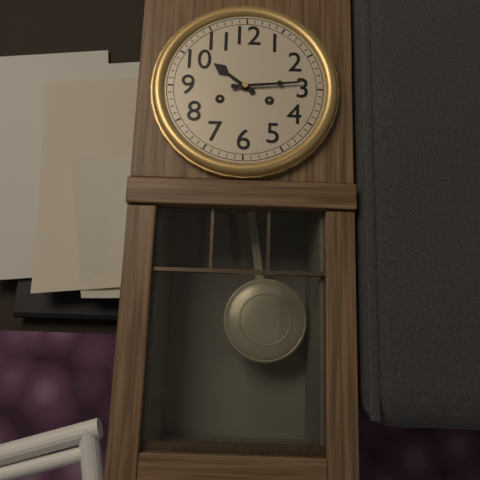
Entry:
10.14
